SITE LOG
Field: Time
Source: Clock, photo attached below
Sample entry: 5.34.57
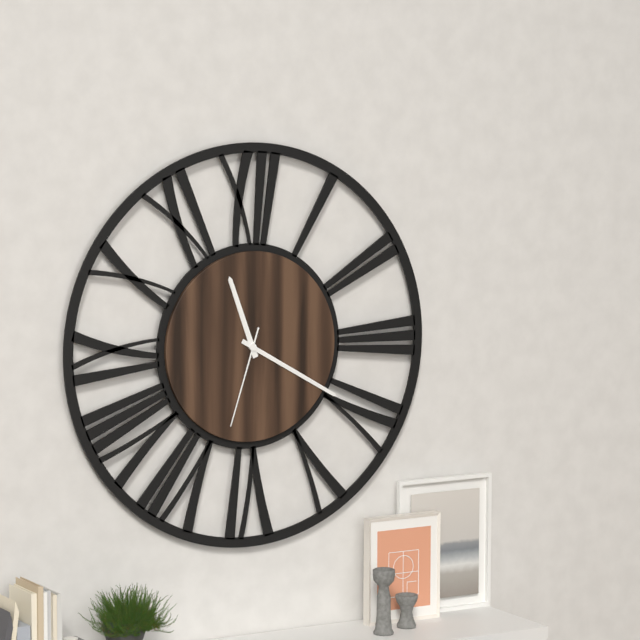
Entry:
11.20.33
